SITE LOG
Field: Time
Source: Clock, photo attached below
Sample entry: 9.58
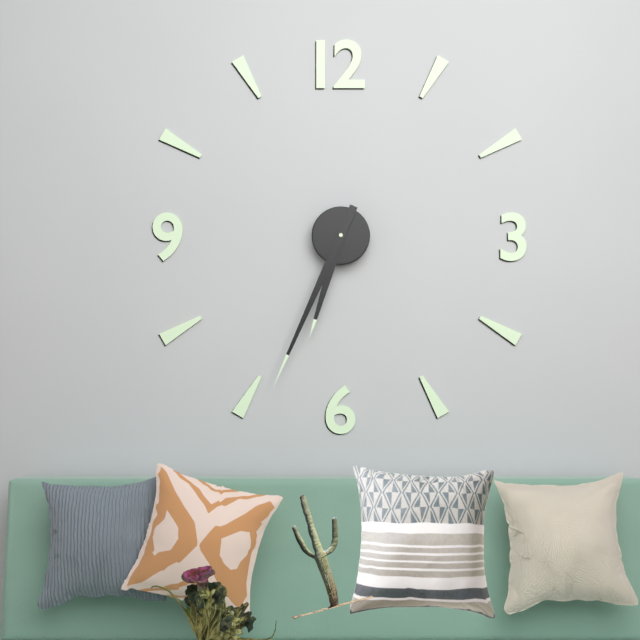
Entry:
6.34
